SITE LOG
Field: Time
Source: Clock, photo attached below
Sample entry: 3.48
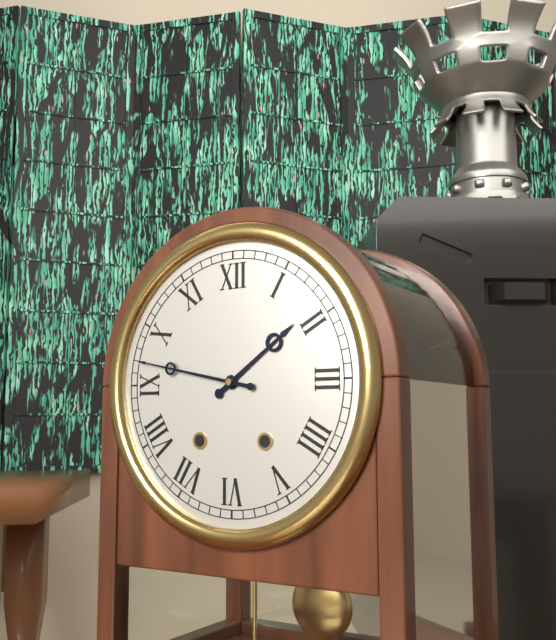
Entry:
1.47
